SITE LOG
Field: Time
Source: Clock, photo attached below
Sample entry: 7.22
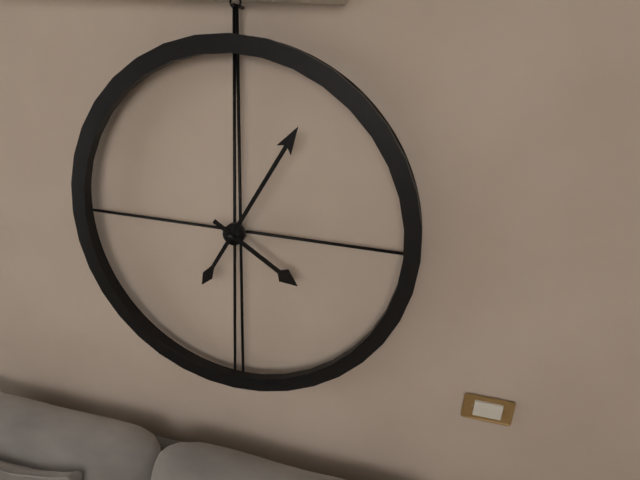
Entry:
4.05
